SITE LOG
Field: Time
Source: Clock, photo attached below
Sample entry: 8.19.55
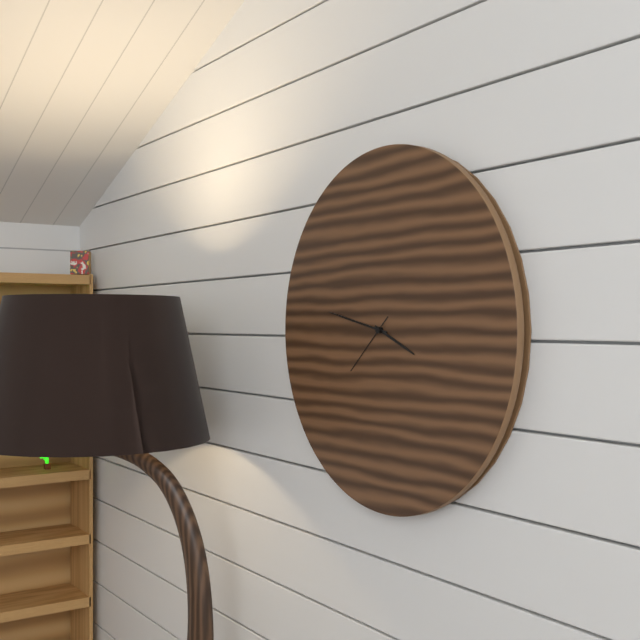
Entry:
3.47.38
